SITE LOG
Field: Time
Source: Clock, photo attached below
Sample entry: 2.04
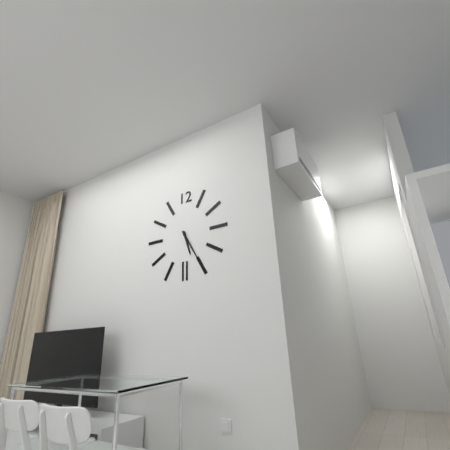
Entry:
5.25
